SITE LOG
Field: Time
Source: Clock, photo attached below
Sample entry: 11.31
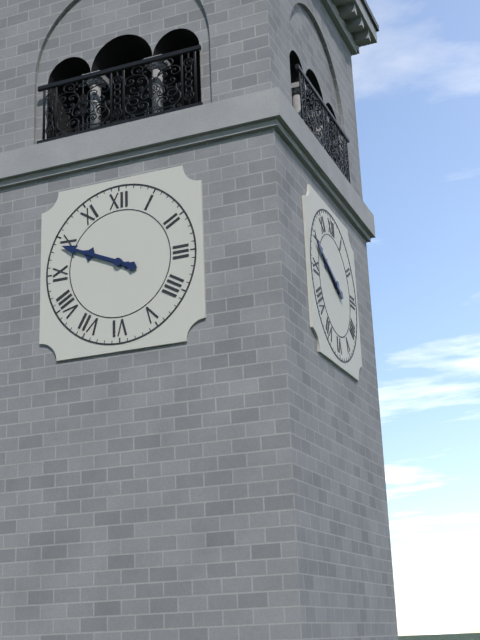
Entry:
9.49
